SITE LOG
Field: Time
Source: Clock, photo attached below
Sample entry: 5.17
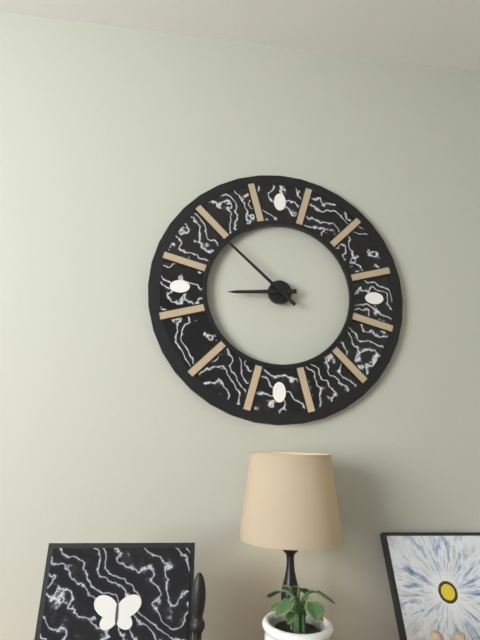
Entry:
8.52
